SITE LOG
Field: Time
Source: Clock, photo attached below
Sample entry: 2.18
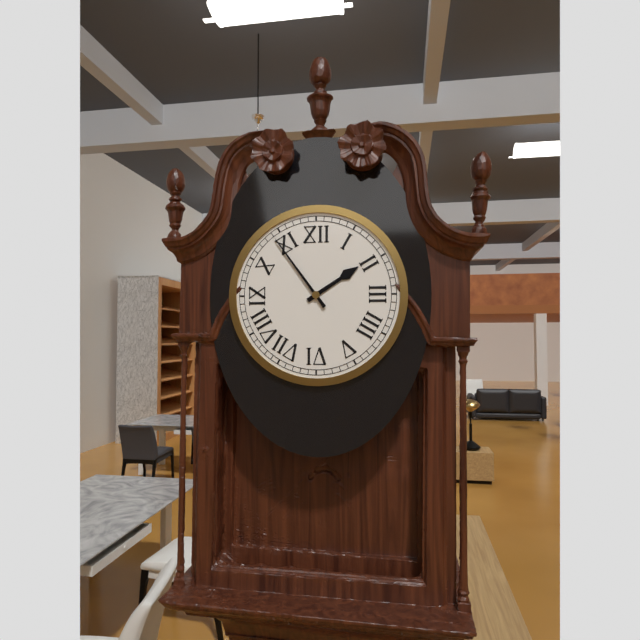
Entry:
1.54
